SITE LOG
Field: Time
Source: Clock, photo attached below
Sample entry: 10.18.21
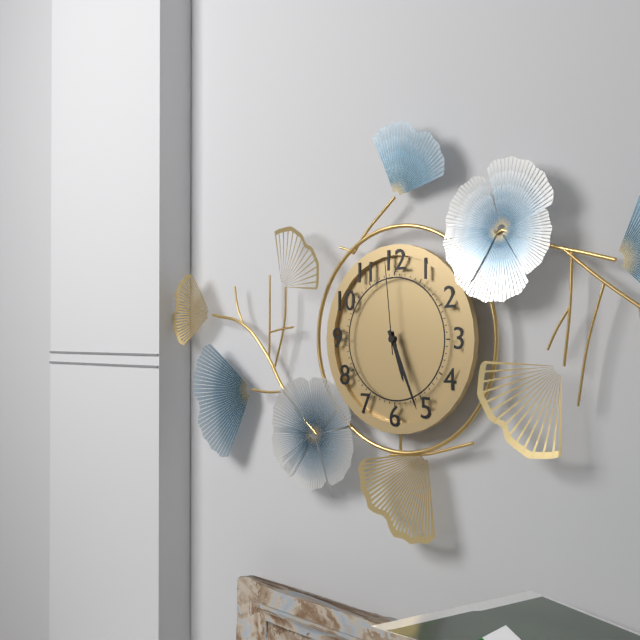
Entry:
5.26.59
